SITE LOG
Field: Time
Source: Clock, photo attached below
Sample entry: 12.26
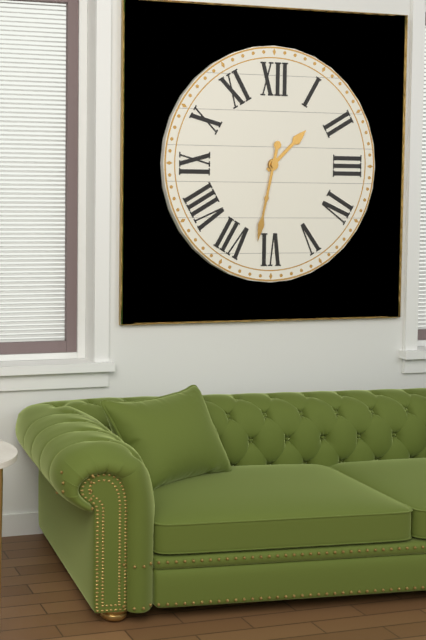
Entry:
1.32
